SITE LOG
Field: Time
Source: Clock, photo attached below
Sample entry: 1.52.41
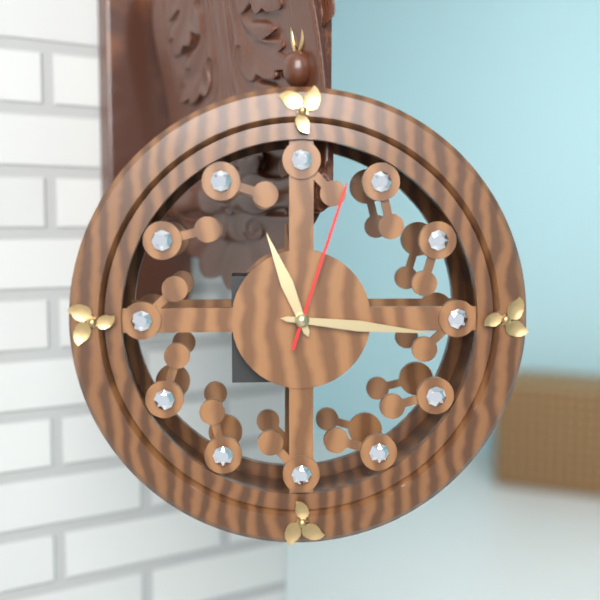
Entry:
11.16.03
